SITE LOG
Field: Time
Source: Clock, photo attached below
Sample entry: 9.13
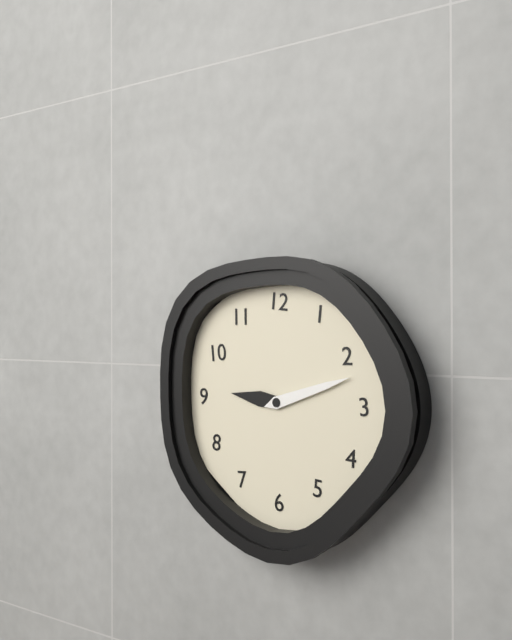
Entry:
9.12
